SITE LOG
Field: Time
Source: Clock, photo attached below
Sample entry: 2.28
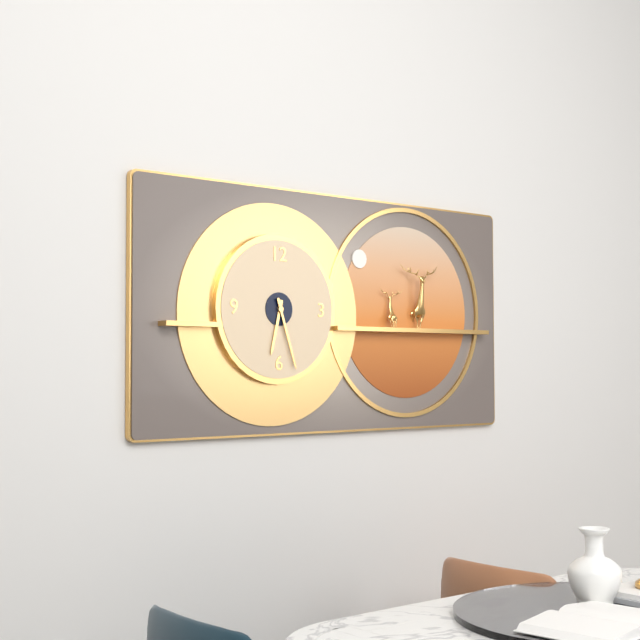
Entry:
6.27
